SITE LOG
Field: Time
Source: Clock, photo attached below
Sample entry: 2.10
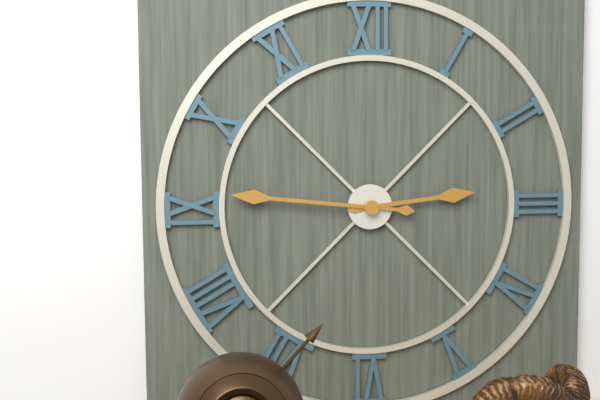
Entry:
2.46
